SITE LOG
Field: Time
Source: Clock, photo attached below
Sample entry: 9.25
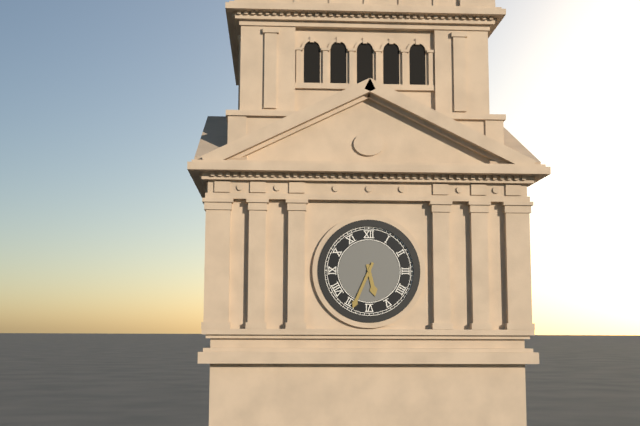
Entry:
5.34
